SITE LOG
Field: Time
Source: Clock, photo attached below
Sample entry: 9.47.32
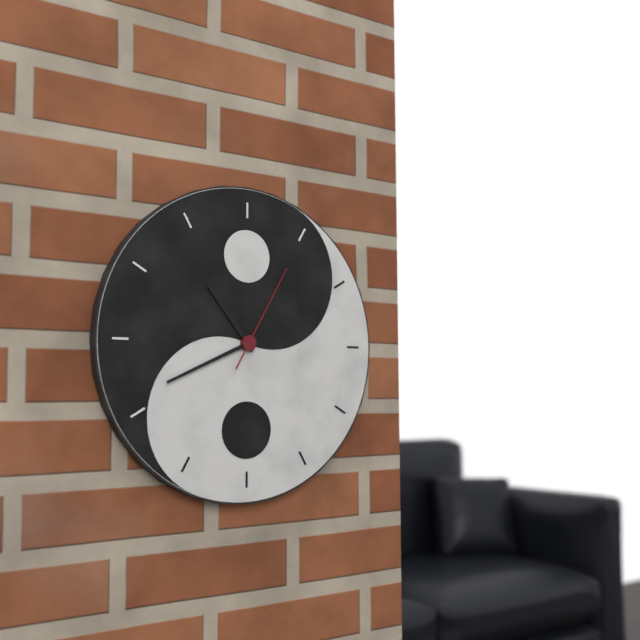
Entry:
10.41.05
